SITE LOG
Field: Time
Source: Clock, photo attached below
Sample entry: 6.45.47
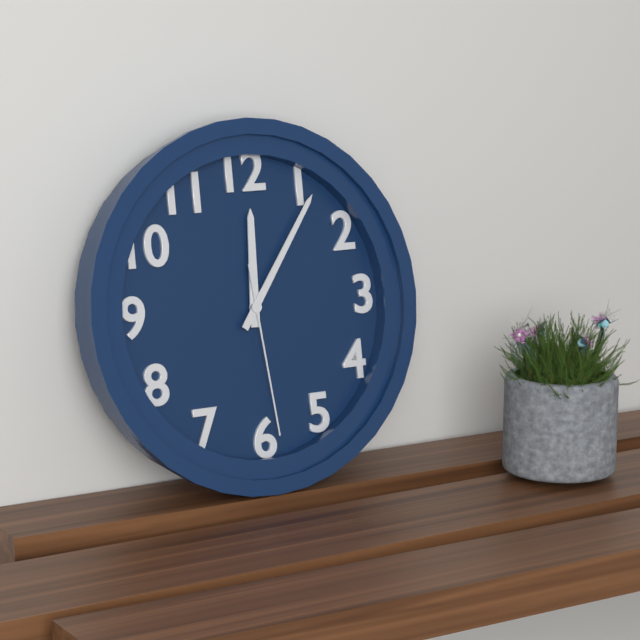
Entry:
12.06.29
